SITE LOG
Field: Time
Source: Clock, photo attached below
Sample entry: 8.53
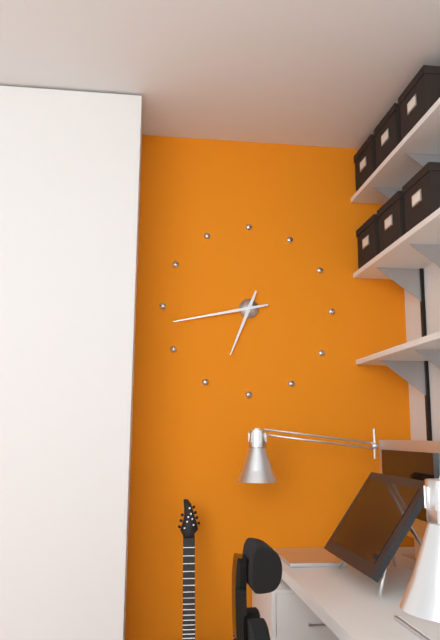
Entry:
6.43
